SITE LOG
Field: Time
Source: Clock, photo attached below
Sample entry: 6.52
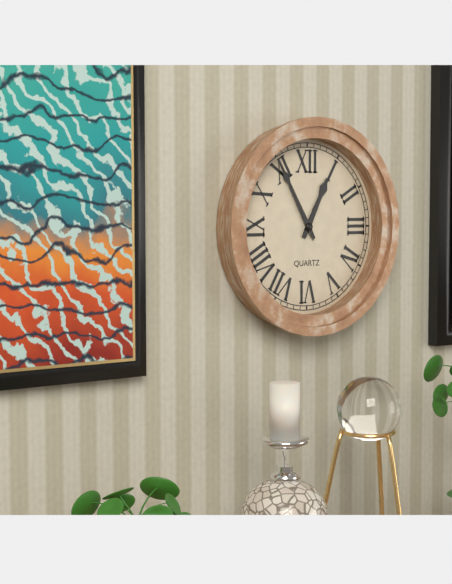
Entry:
12.55
